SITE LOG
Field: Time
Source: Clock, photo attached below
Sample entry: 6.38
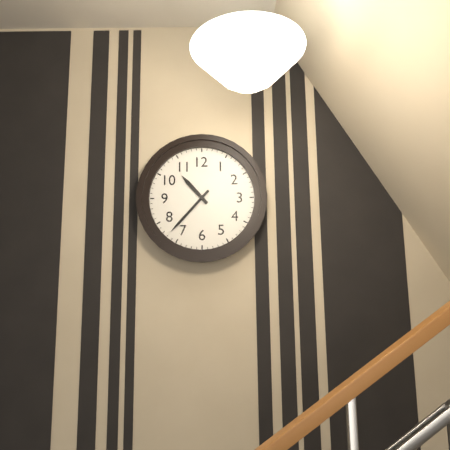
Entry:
10.37
